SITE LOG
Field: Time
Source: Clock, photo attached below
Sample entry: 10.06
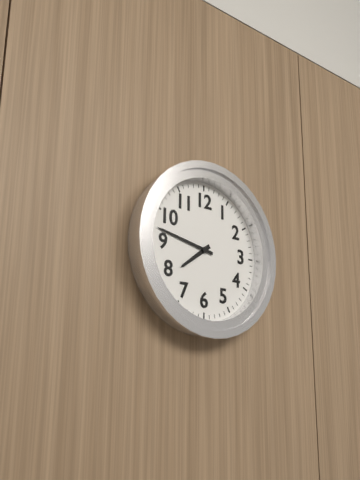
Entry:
7.47
